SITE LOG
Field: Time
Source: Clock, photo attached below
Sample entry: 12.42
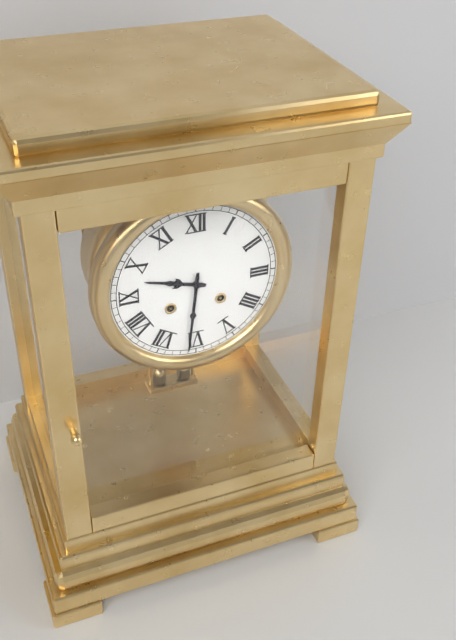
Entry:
9.31
